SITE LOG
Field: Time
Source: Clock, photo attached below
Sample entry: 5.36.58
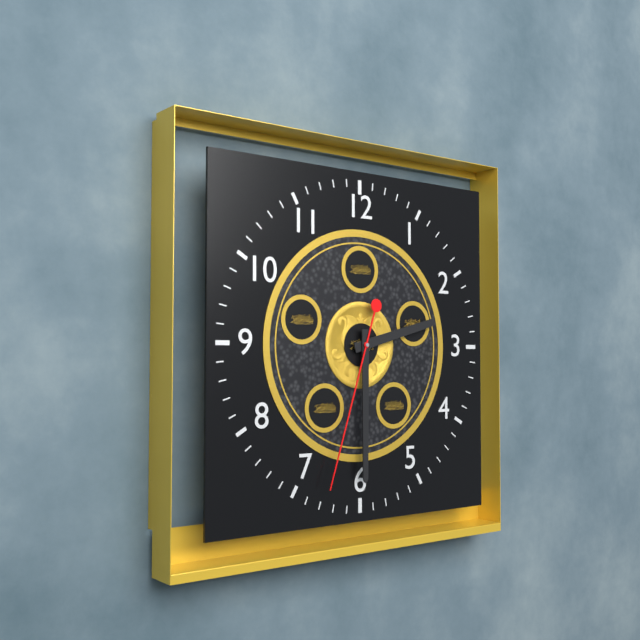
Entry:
2.30.33
